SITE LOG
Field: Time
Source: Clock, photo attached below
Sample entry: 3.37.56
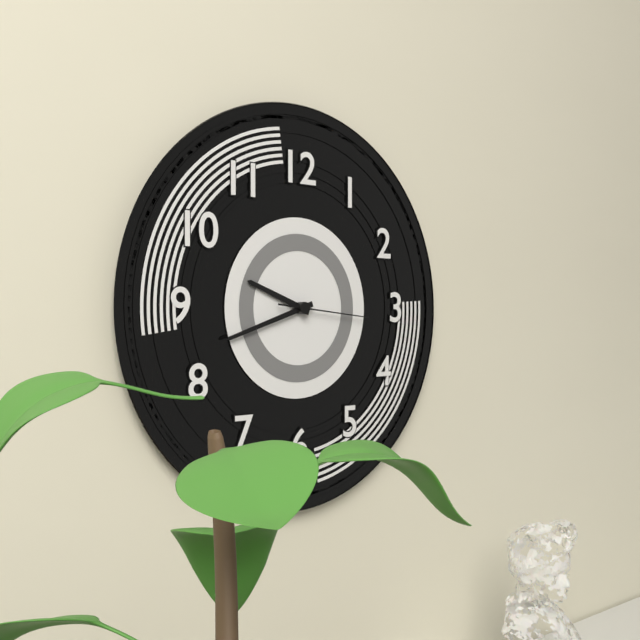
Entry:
9.42.16
